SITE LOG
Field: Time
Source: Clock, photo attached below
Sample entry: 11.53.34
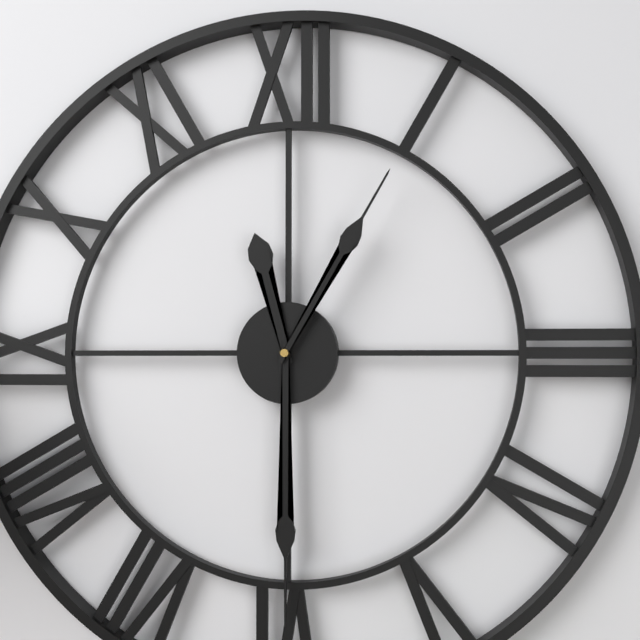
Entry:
11.30.05
